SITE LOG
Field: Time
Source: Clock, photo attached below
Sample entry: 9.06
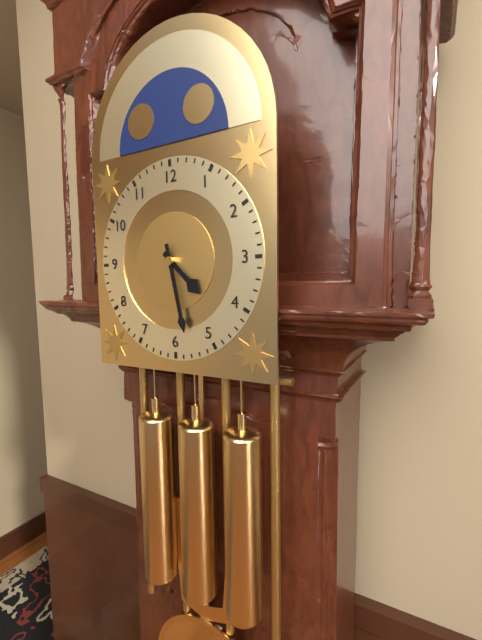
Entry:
4.28
